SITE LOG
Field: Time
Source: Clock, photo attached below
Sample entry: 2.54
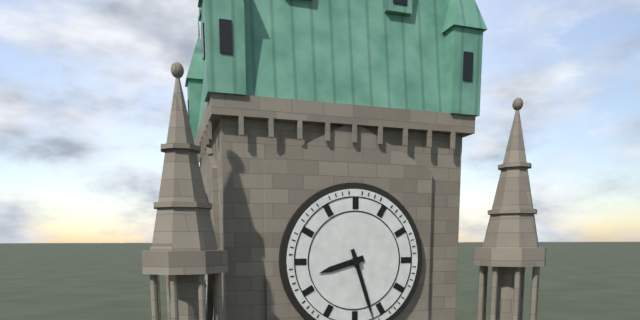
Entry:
8.27
